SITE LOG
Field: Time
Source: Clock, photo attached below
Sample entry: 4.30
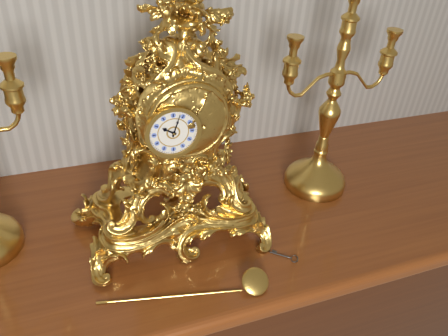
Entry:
10.03
